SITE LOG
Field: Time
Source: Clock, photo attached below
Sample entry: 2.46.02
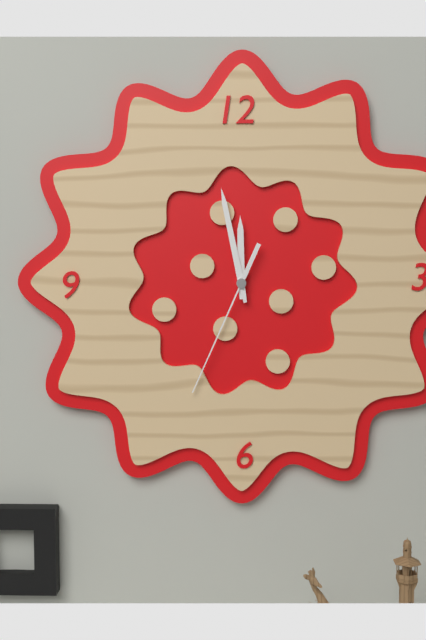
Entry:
11.58.34
